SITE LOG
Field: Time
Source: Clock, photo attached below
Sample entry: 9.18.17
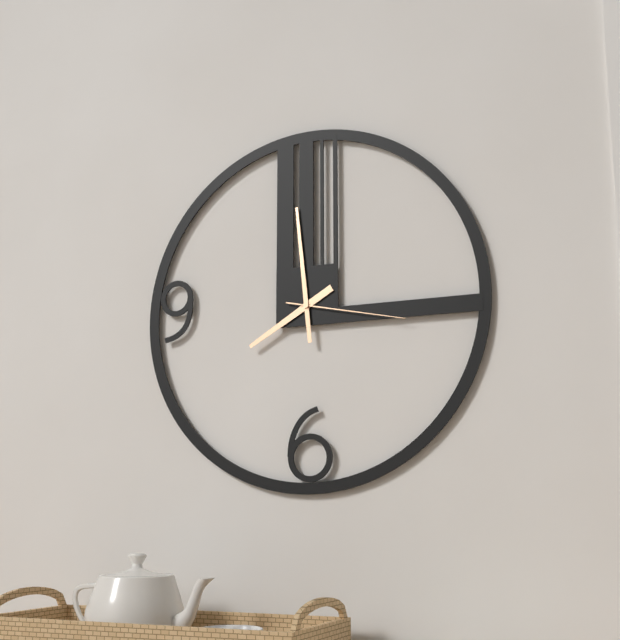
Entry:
7.59.17
